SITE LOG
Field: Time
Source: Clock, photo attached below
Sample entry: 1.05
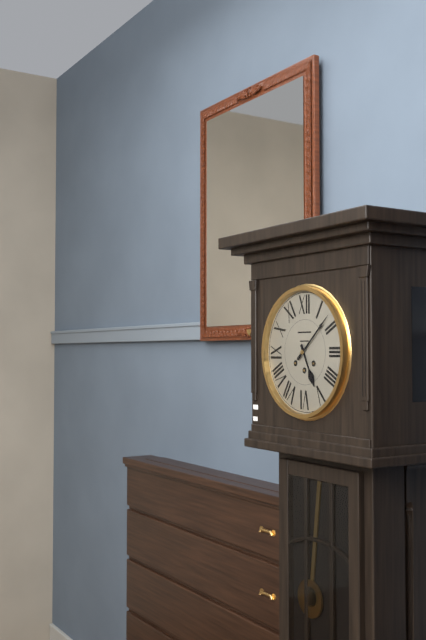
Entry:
5.08
